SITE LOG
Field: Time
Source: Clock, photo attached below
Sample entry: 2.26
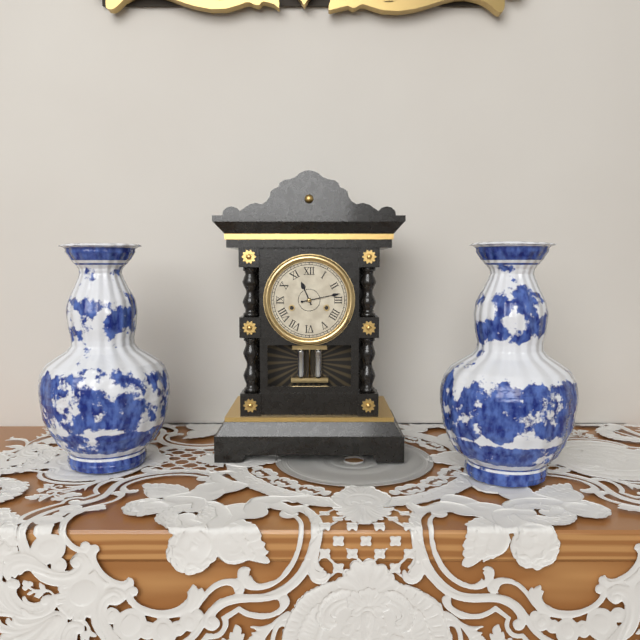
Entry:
11.13
